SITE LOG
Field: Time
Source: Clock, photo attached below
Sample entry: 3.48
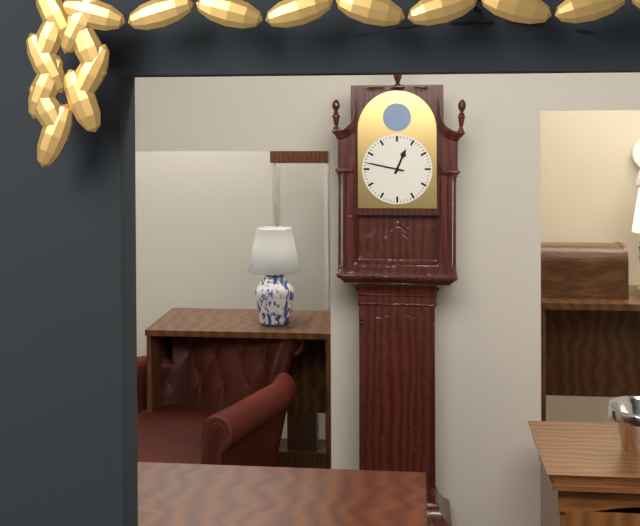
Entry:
12.47
